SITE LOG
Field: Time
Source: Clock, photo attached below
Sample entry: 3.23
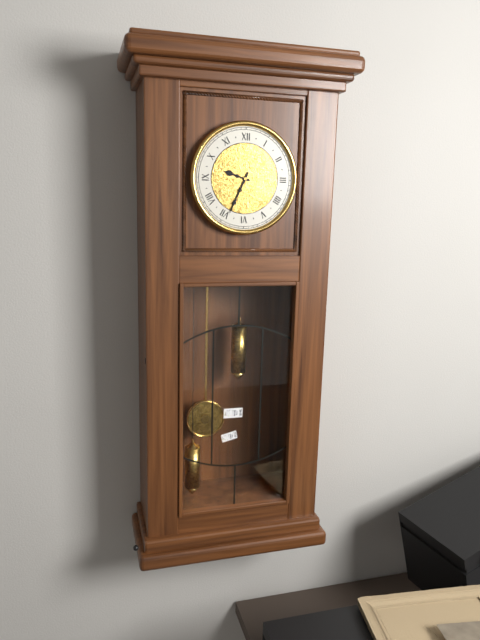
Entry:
9.34
